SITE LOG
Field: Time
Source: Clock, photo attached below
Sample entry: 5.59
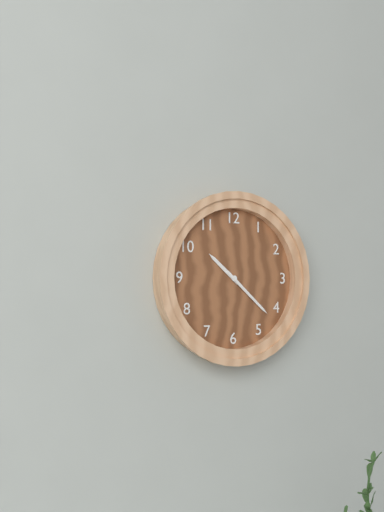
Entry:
10.22
